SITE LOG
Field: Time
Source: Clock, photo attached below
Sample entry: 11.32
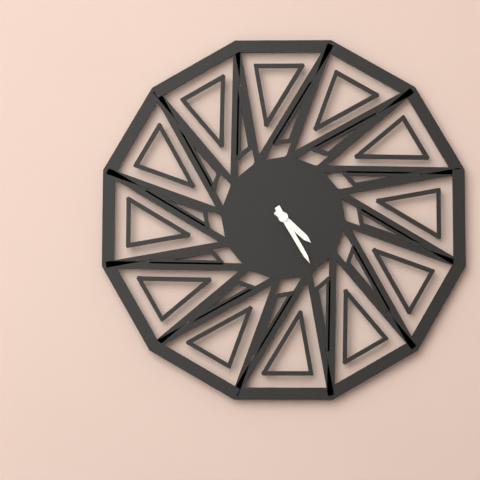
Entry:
4.25
